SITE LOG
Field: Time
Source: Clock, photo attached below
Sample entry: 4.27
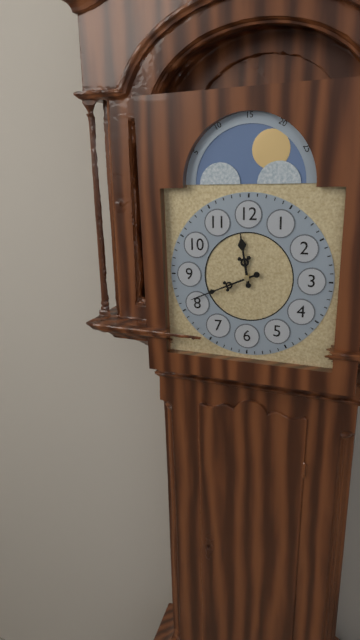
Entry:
11.41
